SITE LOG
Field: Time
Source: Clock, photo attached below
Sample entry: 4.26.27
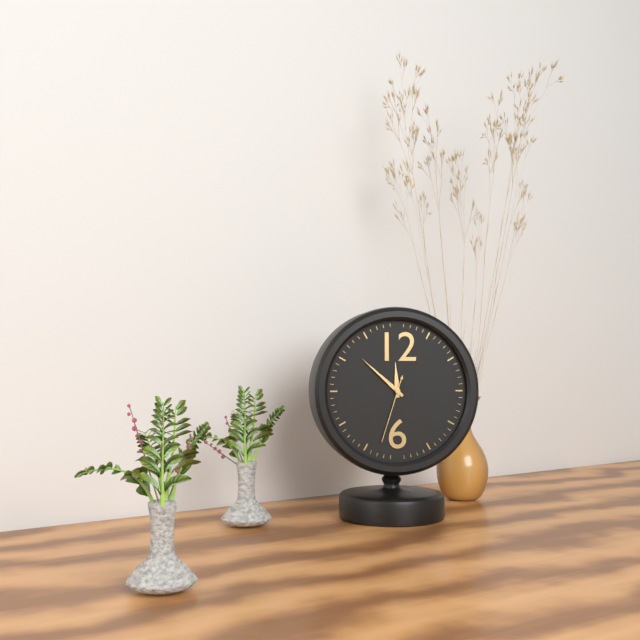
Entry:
11.52.33
